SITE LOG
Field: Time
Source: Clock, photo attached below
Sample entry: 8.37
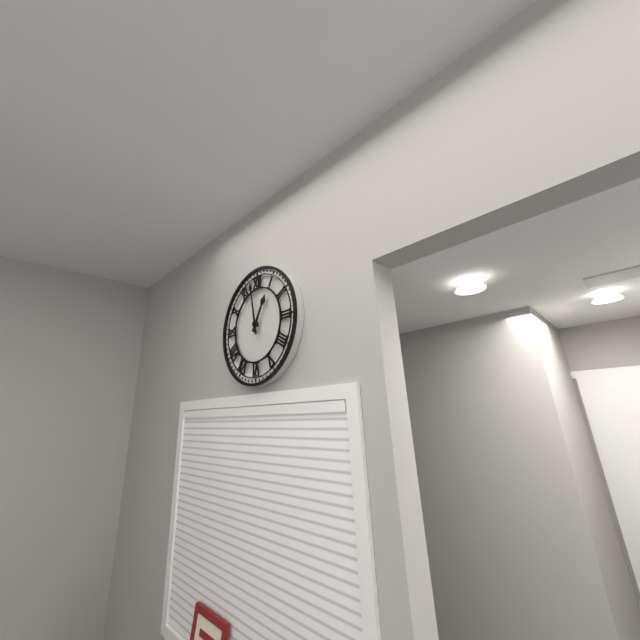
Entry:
12.58
